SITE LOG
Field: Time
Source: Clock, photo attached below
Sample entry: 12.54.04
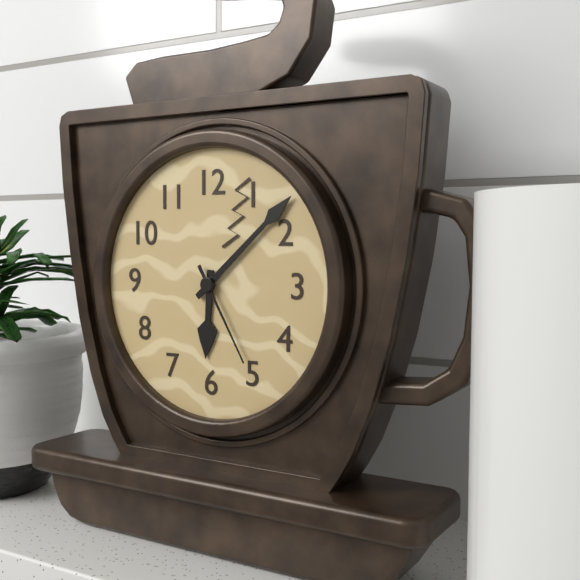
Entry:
6.08.25
